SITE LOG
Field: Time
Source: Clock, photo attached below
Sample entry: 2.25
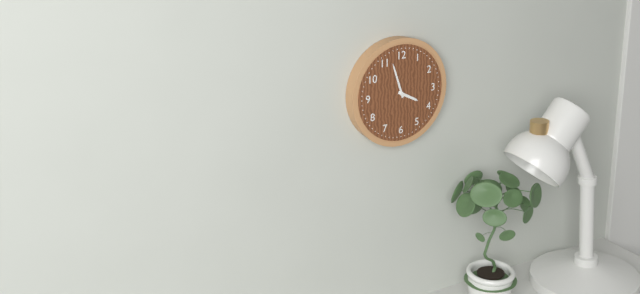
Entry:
3.57
